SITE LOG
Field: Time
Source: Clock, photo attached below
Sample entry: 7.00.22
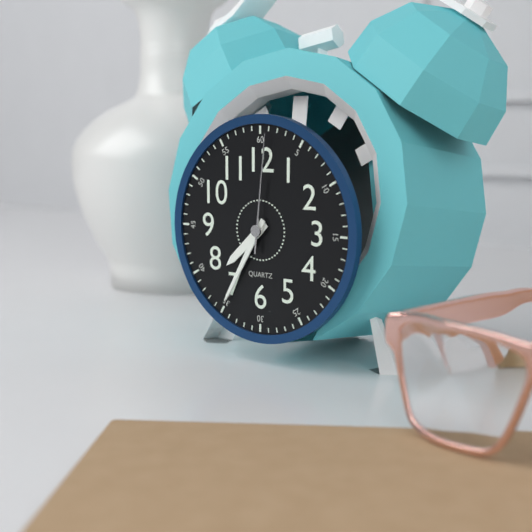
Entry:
7.35.01
